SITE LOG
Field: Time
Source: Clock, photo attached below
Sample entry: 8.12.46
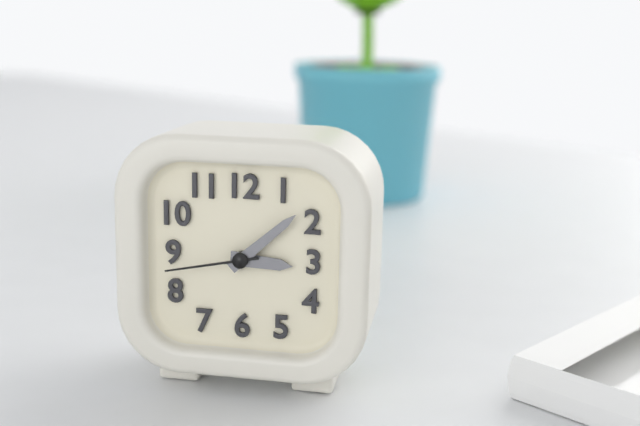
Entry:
3.08.43
